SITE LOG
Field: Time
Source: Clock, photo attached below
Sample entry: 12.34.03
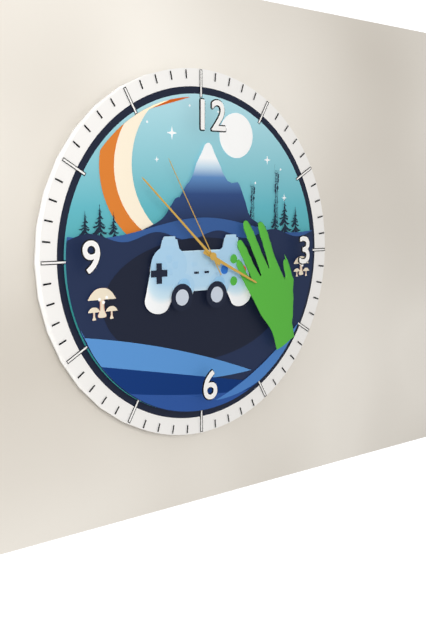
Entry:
3.52.55
